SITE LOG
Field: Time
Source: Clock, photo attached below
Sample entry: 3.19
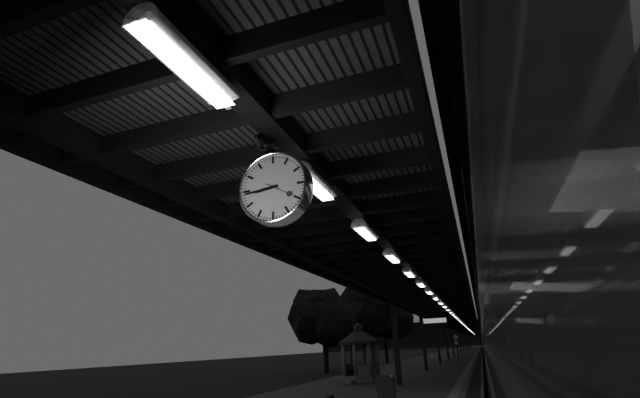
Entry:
8.44
